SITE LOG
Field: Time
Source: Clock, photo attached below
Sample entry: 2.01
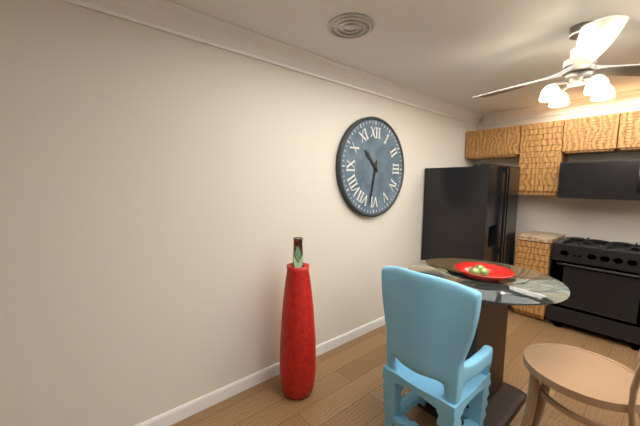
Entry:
10.32
